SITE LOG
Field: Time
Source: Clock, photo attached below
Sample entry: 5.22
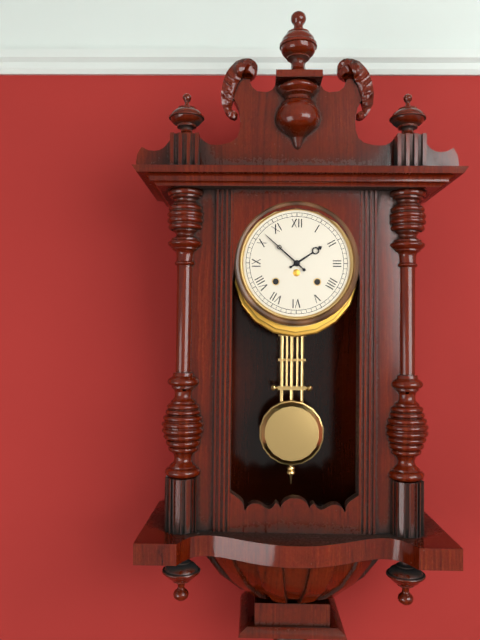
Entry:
1.52
